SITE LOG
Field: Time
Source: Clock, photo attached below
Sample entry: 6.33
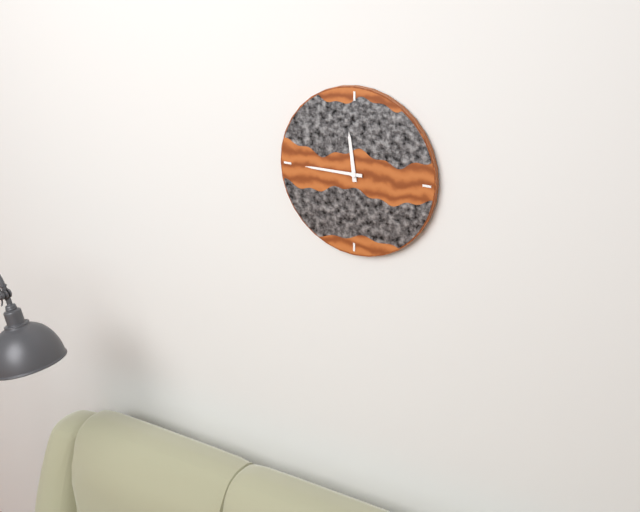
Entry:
11.45
